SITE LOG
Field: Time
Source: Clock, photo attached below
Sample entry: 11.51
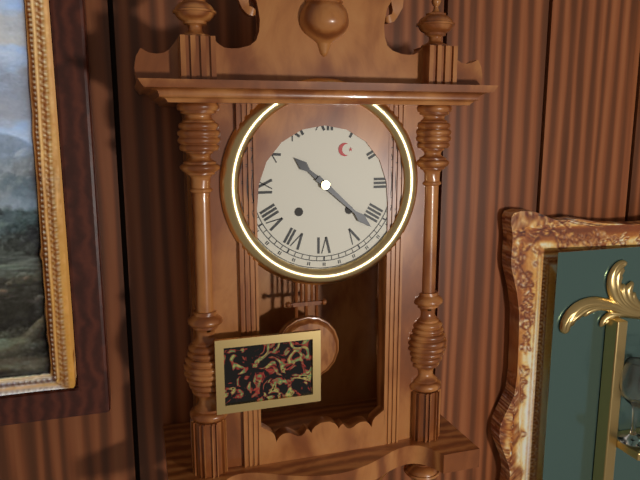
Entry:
10.22
